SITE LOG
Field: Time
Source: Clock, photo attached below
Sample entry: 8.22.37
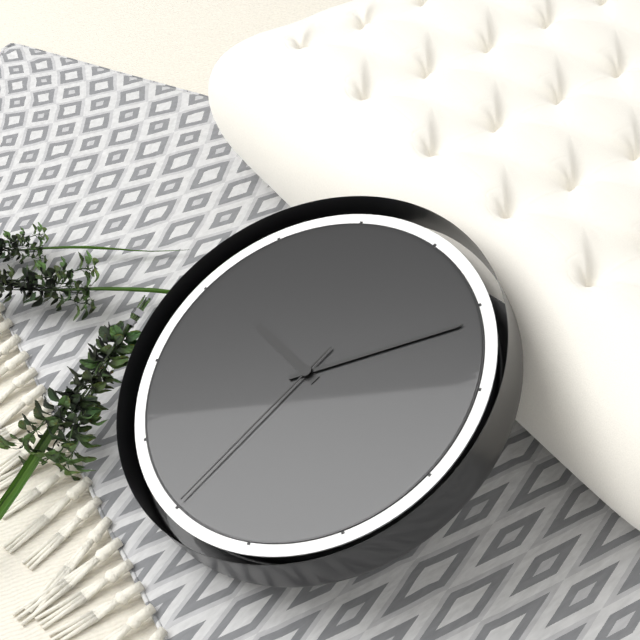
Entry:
9.06.30
